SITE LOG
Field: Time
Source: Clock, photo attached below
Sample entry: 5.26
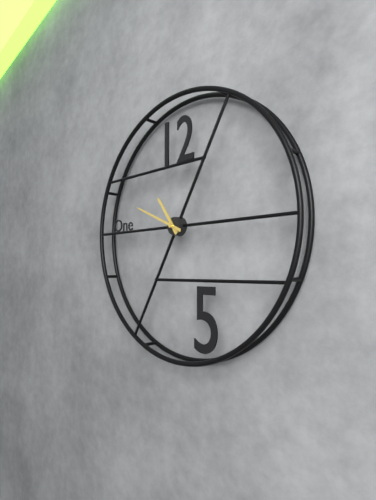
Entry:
10.49
